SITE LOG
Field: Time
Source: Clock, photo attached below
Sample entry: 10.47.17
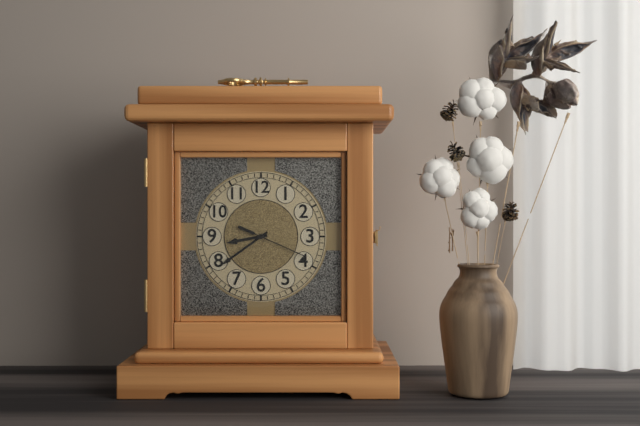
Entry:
8.39.19
